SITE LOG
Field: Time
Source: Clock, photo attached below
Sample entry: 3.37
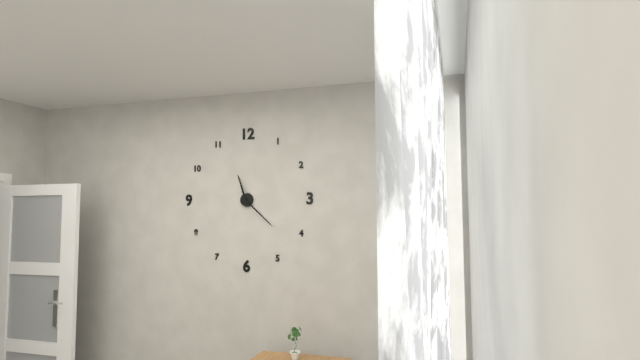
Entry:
11.22
